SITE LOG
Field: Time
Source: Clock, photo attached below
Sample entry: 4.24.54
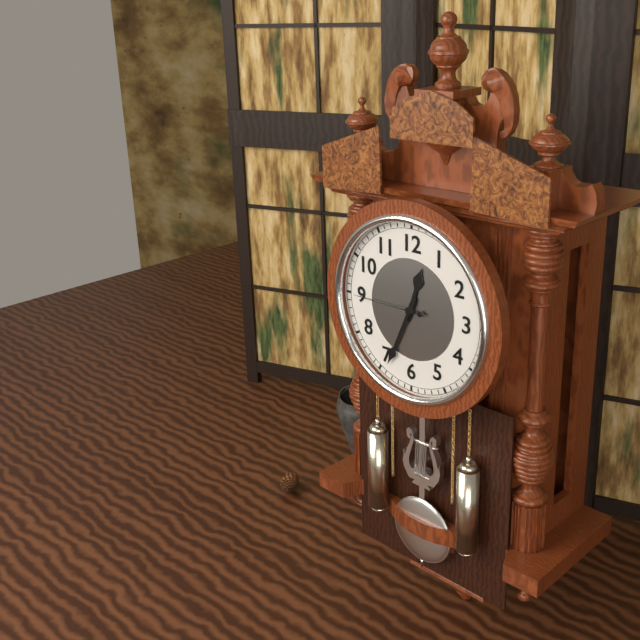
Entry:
12.34.45
